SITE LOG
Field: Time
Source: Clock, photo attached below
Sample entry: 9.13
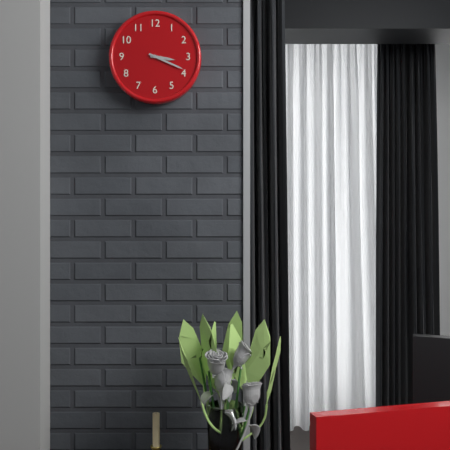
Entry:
3.19
